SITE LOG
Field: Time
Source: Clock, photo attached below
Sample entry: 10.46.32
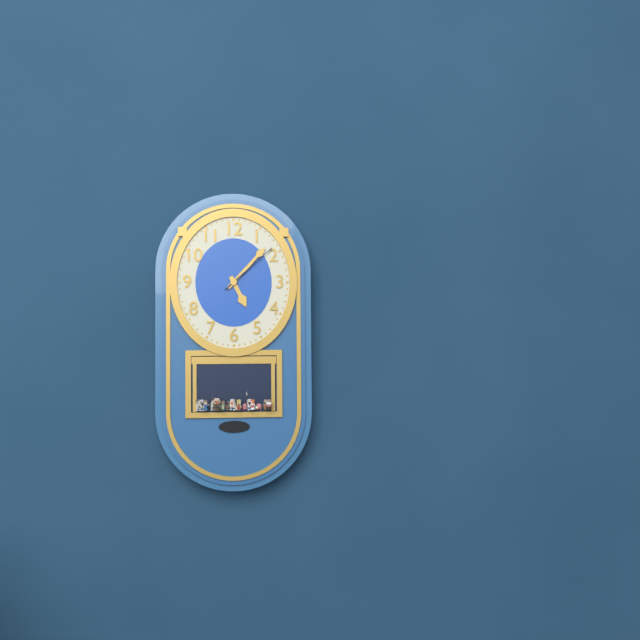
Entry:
5.07.08
